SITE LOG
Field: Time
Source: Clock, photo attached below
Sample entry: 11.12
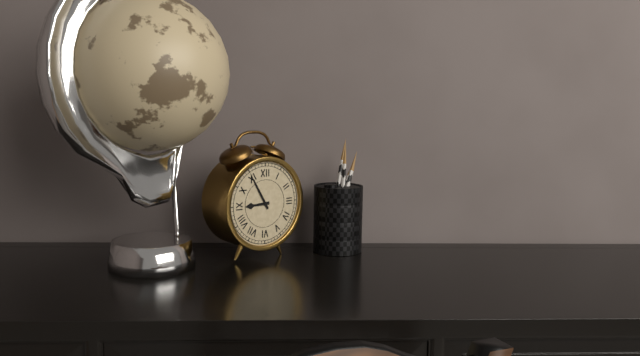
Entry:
8.55
